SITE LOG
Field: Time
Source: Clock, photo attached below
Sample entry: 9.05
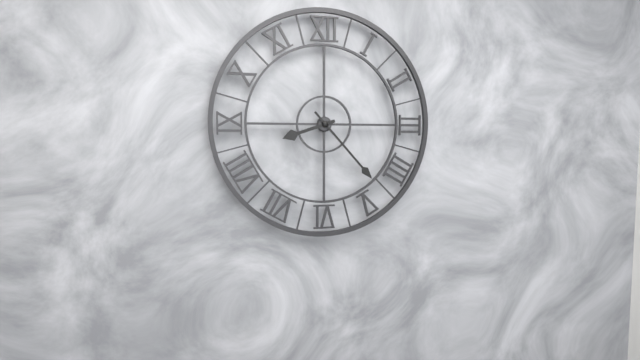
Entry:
8.23
